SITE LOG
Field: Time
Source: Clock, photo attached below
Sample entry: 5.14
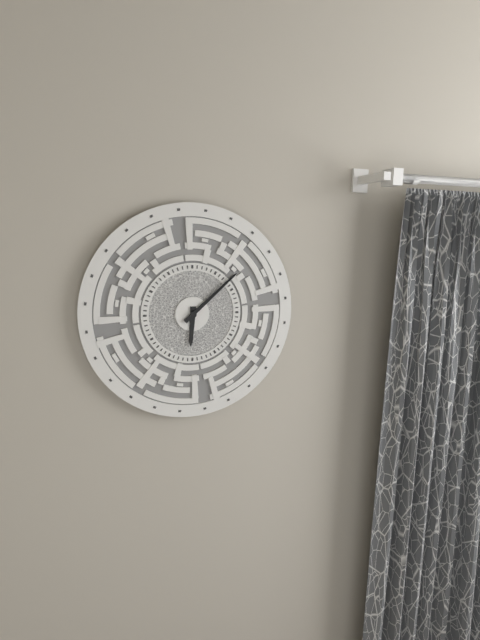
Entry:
6.08
